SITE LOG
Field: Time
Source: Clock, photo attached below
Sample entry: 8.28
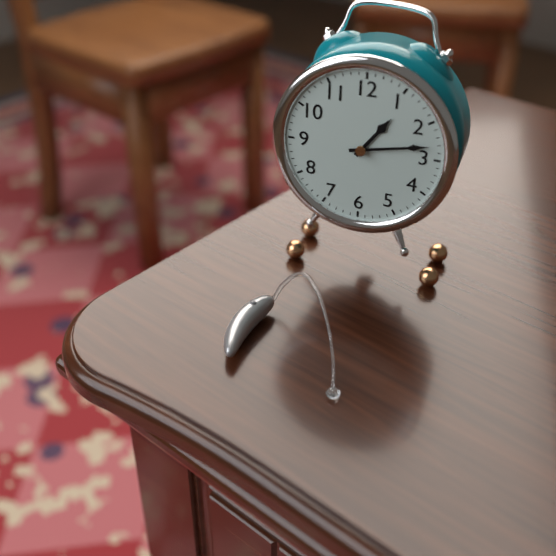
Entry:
1.13
